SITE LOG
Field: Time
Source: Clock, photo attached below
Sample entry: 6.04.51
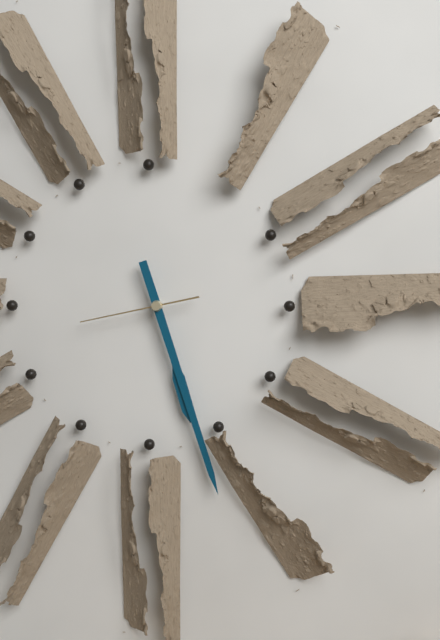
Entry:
5.27.43
